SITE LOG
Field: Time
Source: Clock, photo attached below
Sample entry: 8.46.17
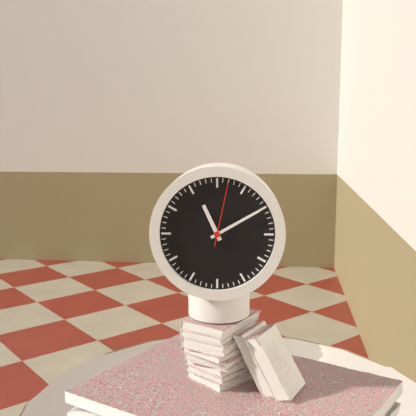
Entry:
11.10.02
